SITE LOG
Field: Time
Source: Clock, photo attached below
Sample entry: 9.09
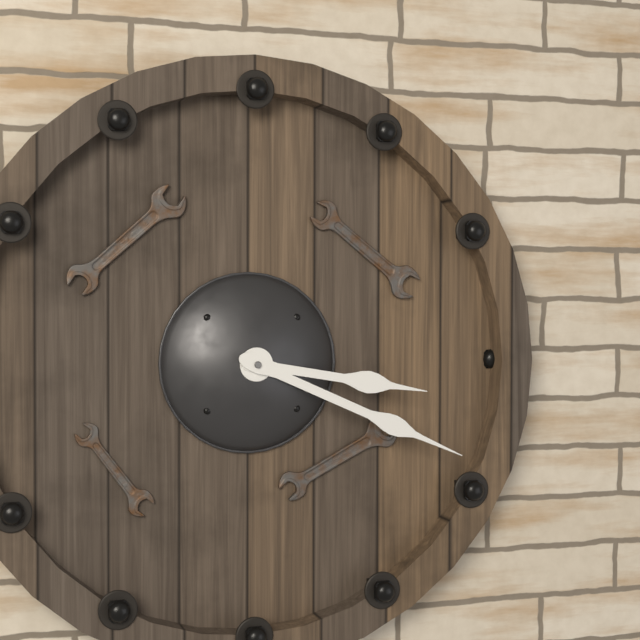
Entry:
3.19
